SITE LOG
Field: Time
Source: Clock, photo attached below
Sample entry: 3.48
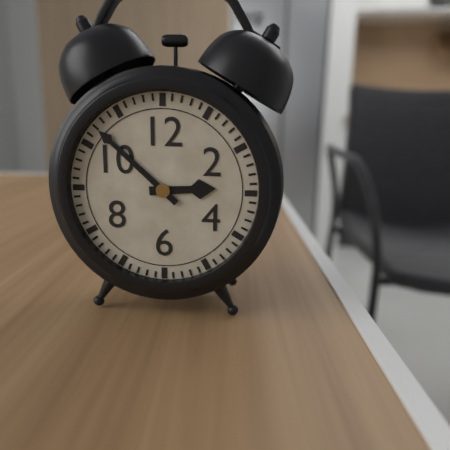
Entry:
2.52
